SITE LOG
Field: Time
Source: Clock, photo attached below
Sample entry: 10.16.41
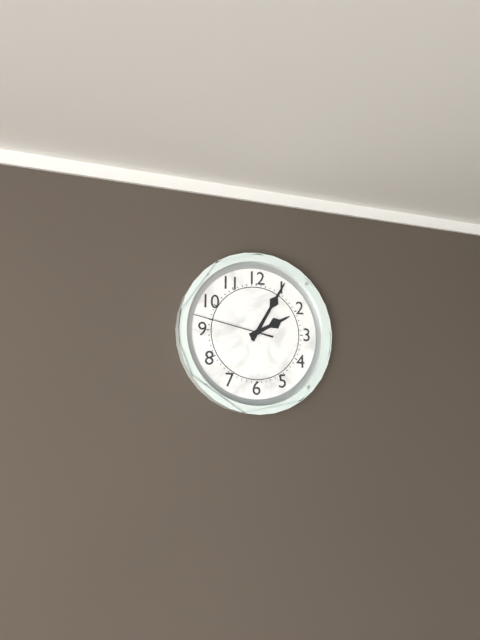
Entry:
2.05.47
